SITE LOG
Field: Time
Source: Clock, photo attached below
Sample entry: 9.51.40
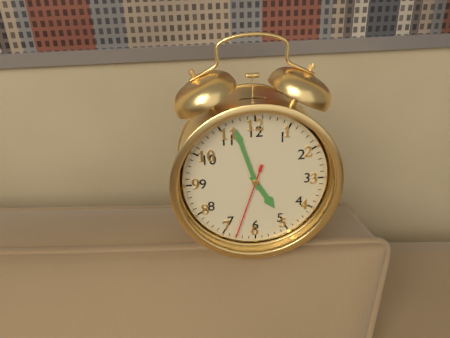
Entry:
4.57.33
